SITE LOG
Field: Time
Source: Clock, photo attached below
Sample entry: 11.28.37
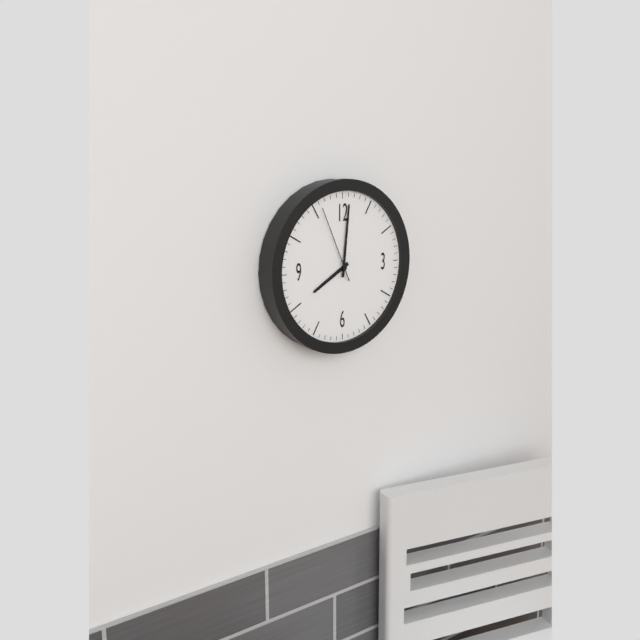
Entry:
8.01.56
